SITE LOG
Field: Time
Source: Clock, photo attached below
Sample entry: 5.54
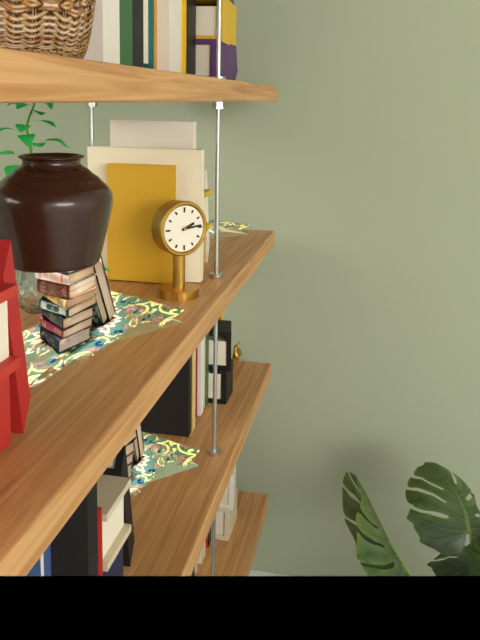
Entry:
2.14
